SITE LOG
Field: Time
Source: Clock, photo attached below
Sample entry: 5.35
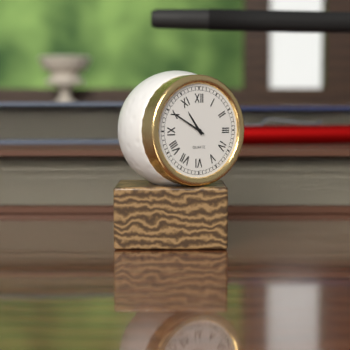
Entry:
10.50
